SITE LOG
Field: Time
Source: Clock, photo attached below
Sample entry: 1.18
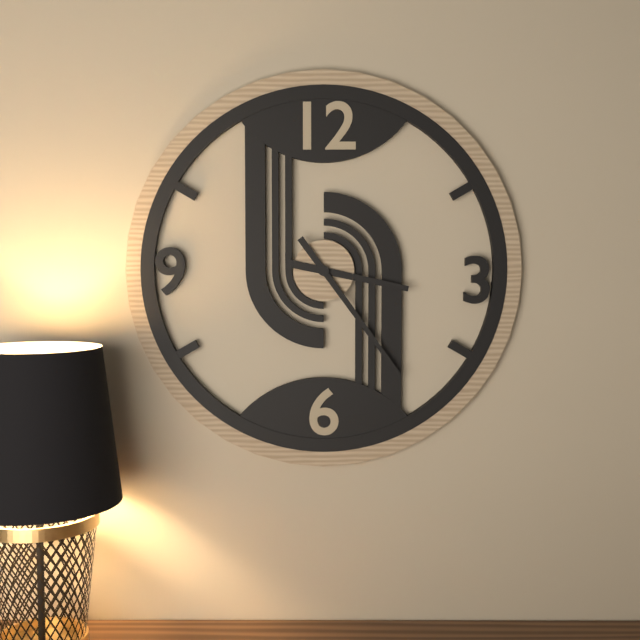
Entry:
3.24
